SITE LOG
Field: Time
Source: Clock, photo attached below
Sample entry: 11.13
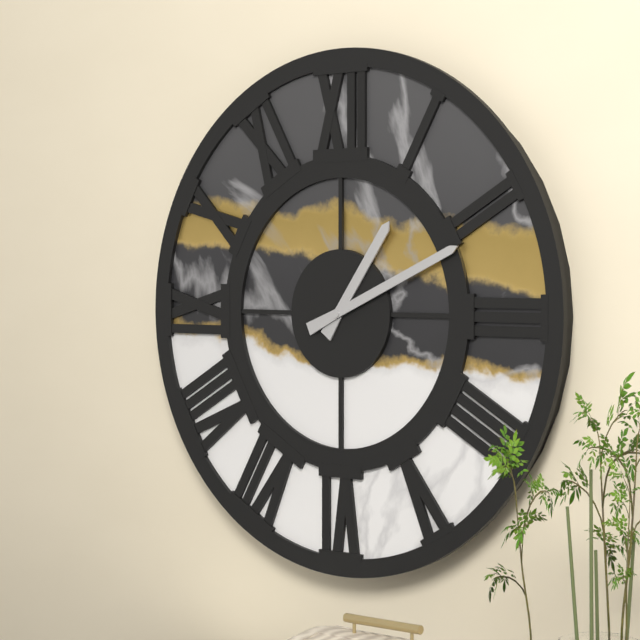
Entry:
1.11
